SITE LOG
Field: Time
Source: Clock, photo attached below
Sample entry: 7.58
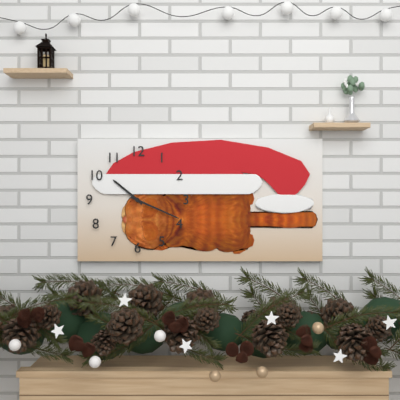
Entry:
10.19
